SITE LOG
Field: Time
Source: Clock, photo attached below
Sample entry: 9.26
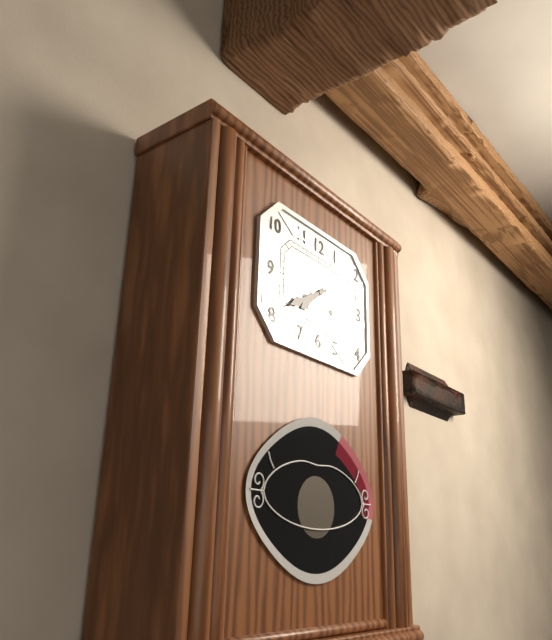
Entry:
7.40
